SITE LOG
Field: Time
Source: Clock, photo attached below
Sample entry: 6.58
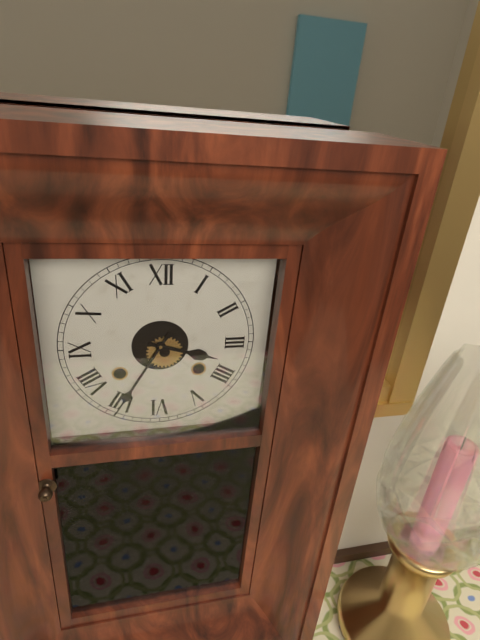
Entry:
3.35
